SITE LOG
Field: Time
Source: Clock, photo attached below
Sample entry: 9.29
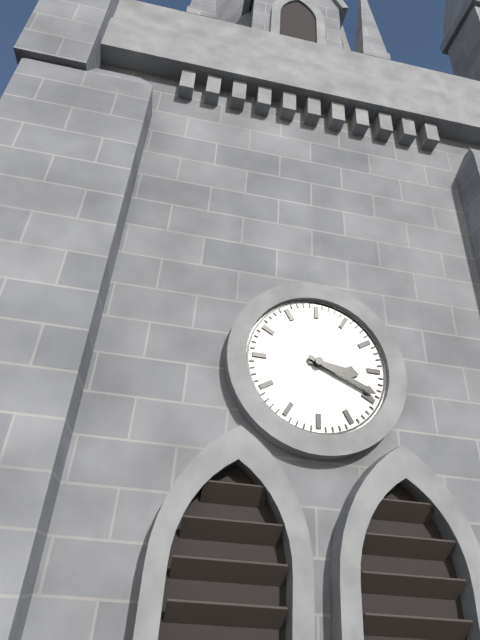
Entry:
3.19
